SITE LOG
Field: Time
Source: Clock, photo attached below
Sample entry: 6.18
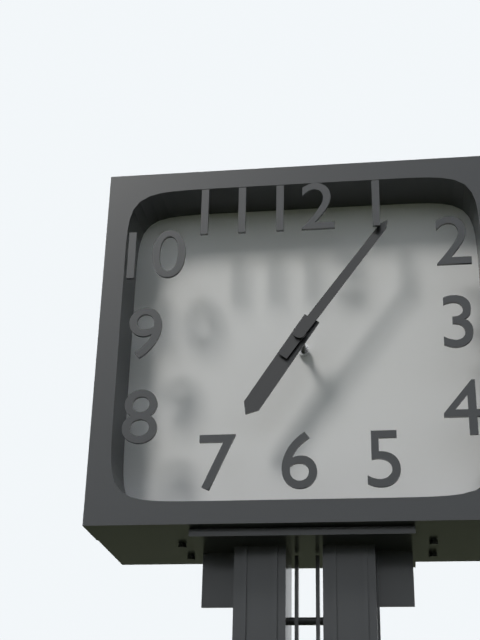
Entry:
7.06
